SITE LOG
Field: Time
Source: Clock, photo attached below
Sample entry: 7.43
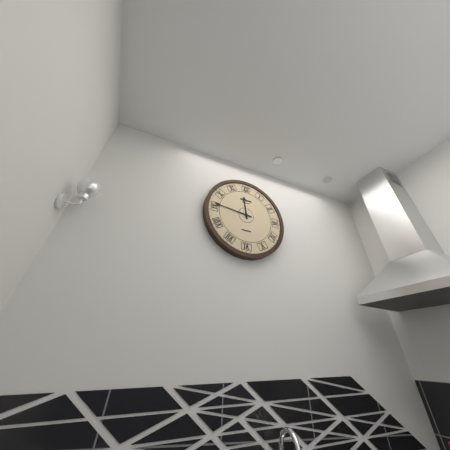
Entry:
11.46
